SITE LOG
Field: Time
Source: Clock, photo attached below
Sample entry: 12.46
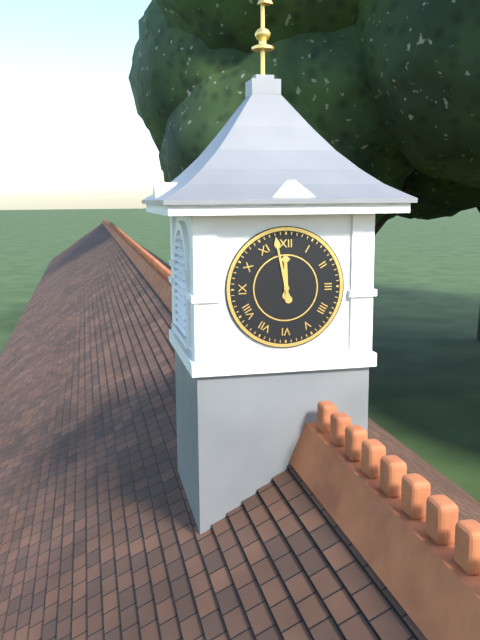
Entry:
11.58
